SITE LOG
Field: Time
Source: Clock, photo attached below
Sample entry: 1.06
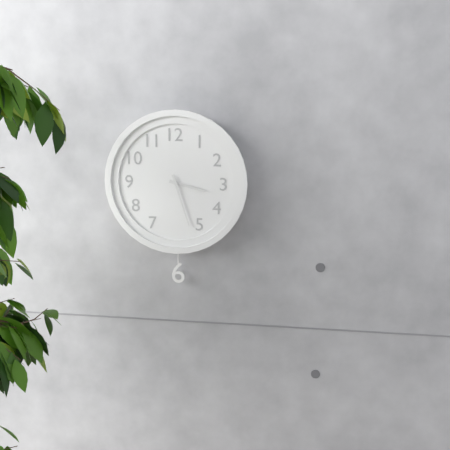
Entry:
3.27
